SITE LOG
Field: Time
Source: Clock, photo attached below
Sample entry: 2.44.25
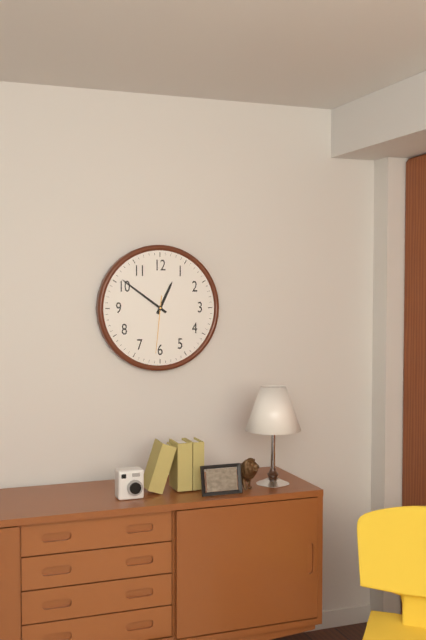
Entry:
12.51.31
